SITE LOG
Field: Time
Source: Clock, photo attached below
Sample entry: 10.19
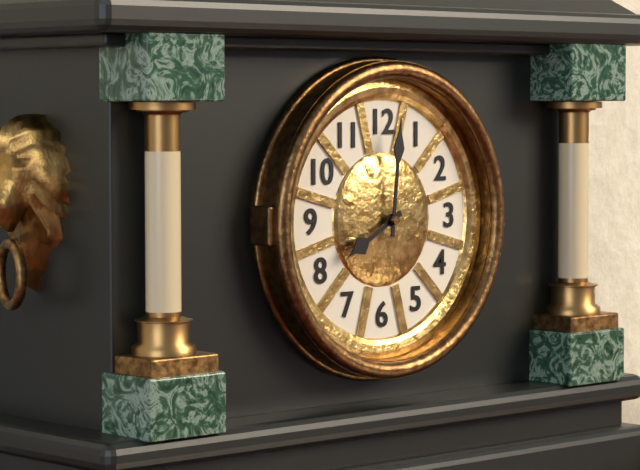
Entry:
8.01
